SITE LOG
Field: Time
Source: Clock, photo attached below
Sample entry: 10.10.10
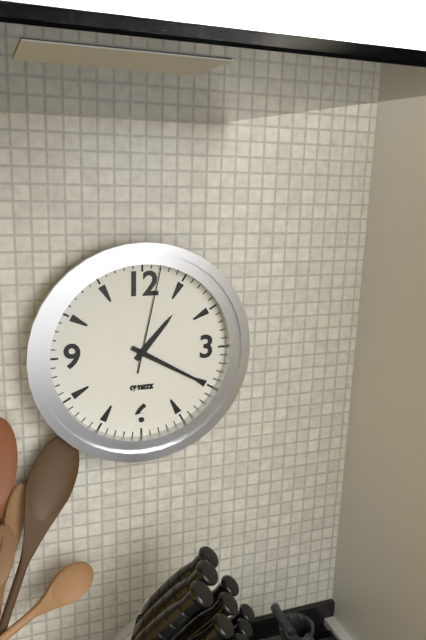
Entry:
1.20.02
